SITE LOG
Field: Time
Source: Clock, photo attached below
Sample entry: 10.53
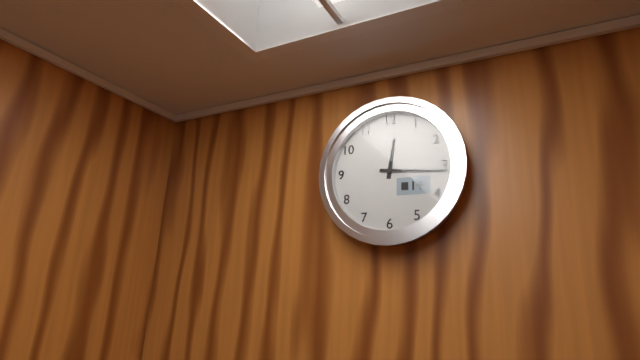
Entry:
12.16
